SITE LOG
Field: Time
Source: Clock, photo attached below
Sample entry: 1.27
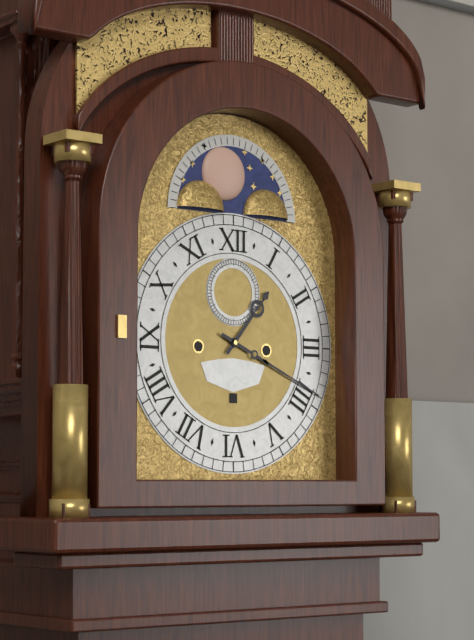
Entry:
1.19
